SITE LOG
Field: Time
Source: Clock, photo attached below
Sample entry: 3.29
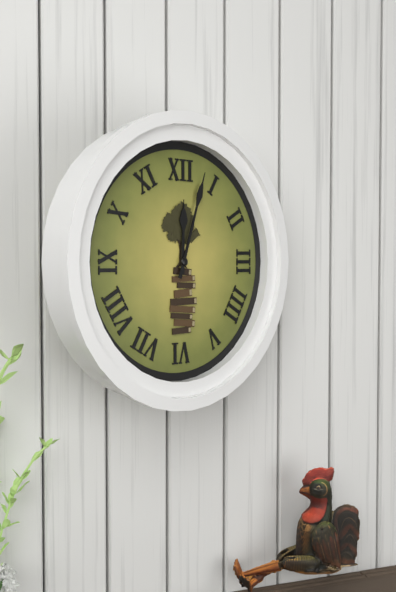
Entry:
12.03
